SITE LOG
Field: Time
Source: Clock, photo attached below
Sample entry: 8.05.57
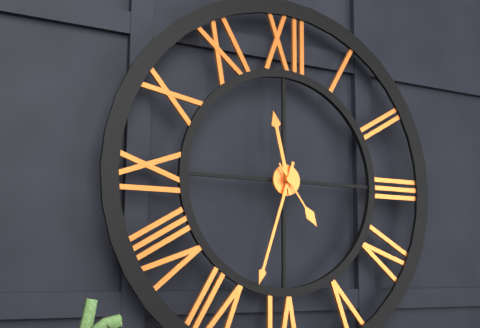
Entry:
11.33.24
